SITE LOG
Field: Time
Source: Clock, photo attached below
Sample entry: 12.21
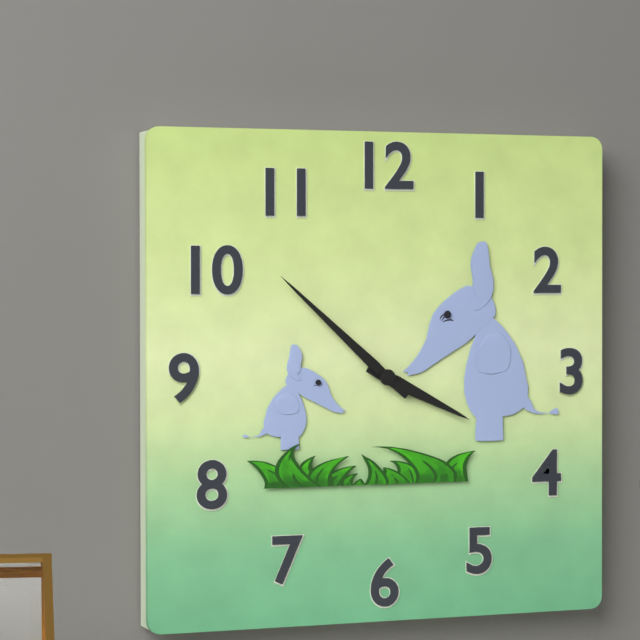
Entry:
3.52
